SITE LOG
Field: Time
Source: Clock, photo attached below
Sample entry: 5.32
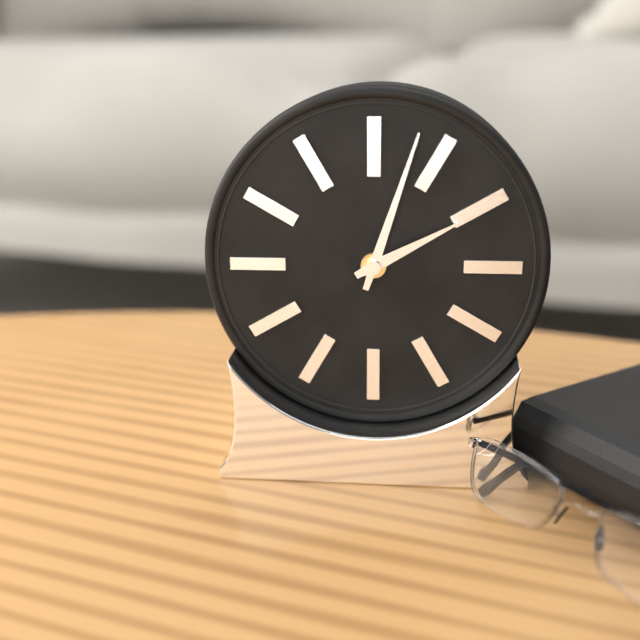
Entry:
2.03
